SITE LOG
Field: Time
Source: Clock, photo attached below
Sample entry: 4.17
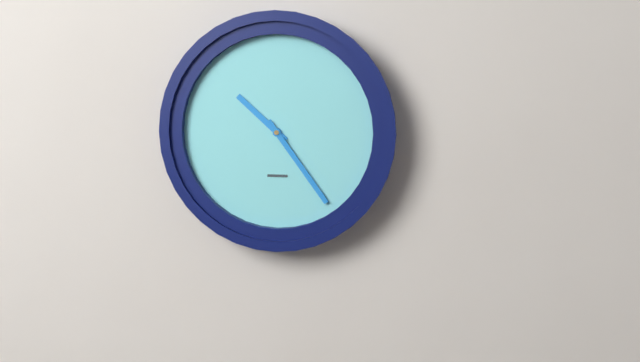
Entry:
10.24
